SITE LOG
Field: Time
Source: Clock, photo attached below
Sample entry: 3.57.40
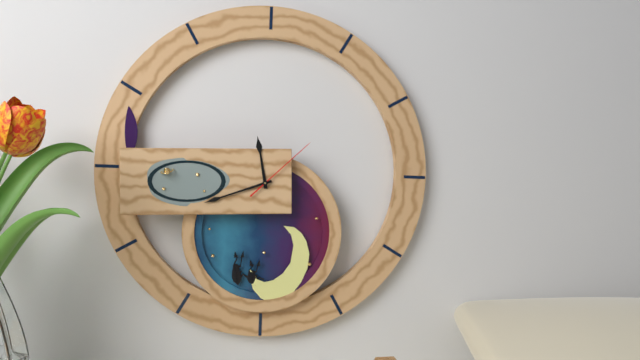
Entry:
11.42.08
